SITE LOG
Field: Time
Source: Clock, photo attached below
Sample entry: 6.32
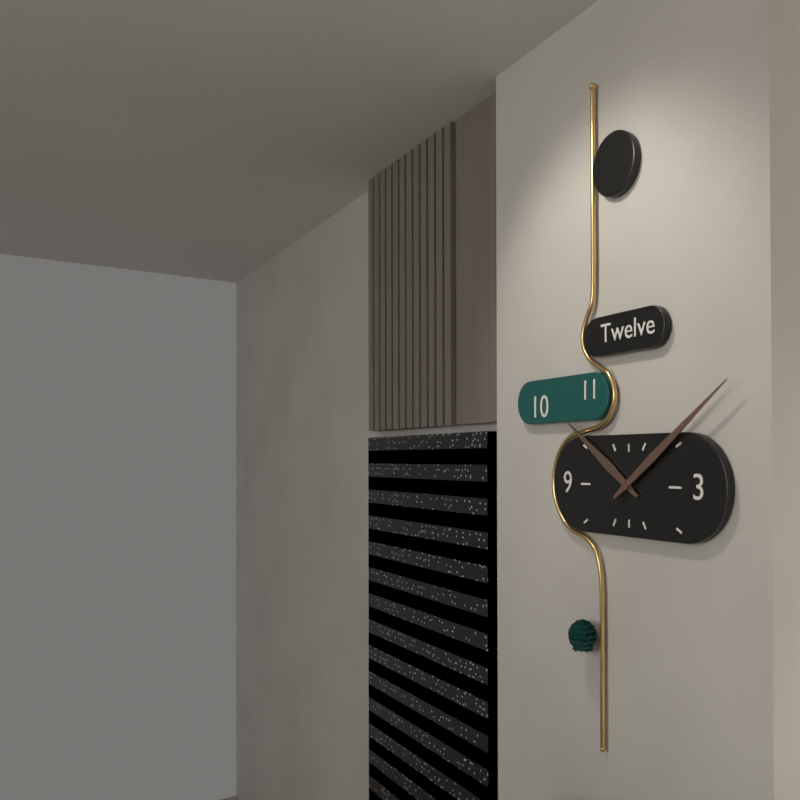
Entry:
10.09
